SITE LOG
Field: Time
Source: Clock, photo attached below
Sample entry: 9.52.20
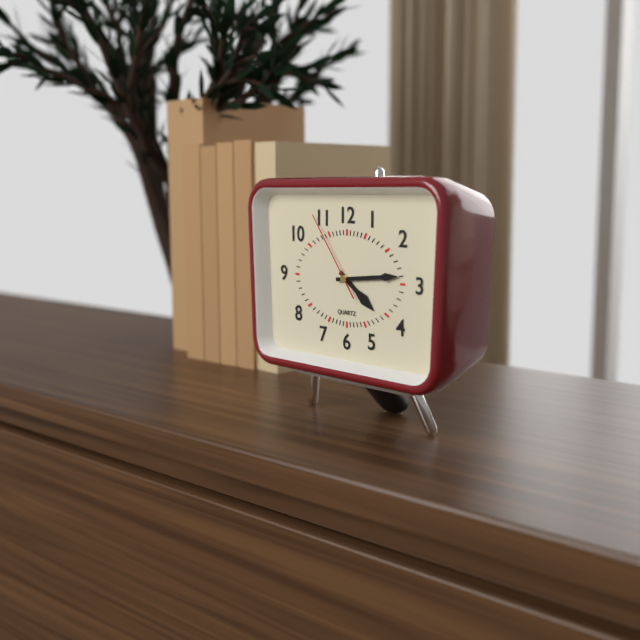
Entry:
4.14.54
